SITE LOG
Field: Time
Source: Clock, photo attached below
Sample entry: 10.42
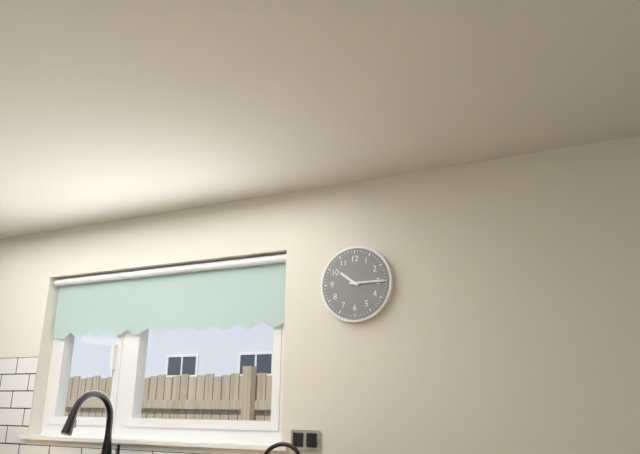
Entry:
10.15
